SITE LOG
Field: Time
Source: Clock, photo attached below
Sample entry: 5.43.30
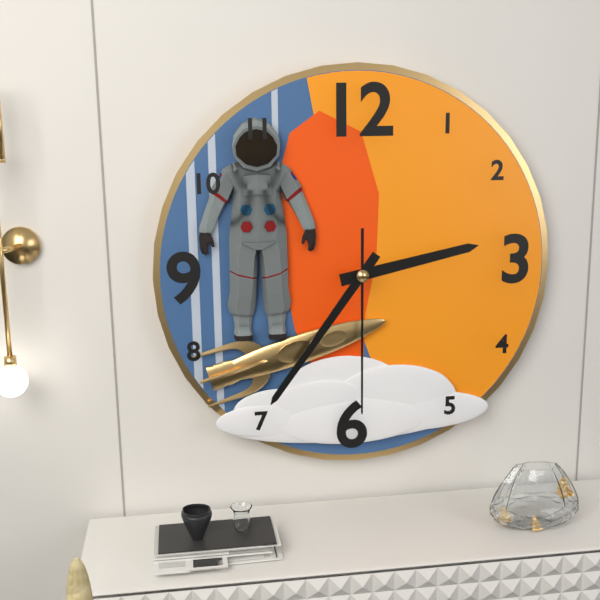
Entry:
2.36.30
